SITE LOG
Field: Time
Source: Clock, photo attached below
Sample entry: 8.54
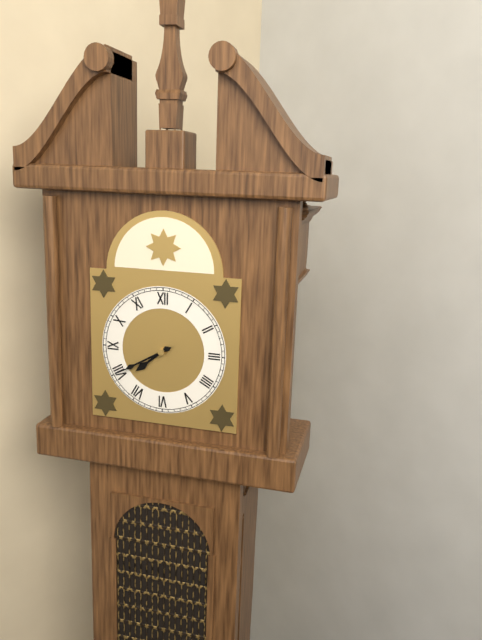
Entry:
7.40
